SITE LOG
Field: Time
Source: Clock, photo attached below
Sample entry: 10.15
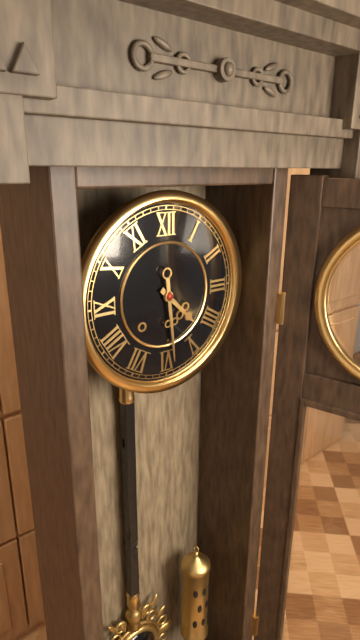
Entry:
4.29
